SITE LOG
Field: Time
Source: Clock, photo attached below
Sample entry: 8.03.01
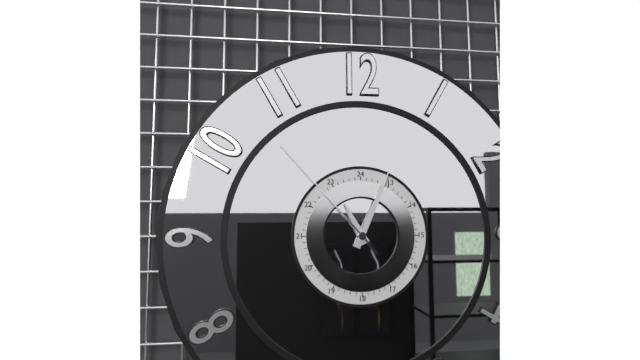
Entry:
11.04.53
